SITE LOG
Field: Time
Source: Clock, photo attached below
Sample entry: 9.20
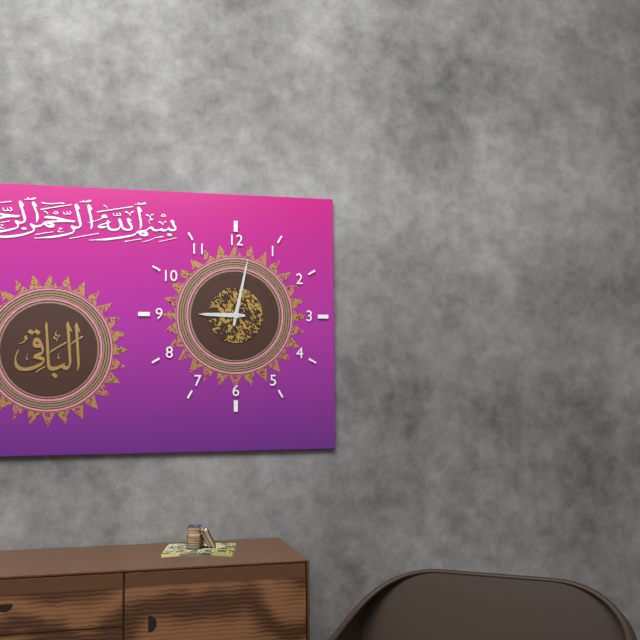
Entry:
9.02
